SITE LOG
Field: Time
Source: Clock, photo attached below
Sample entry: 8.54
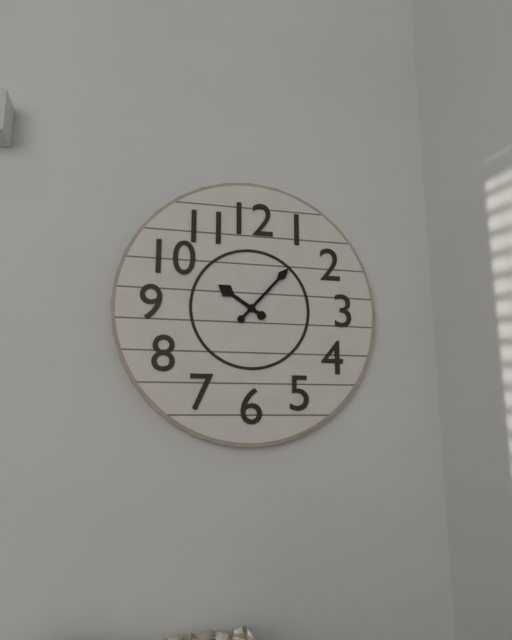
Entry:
10.07
